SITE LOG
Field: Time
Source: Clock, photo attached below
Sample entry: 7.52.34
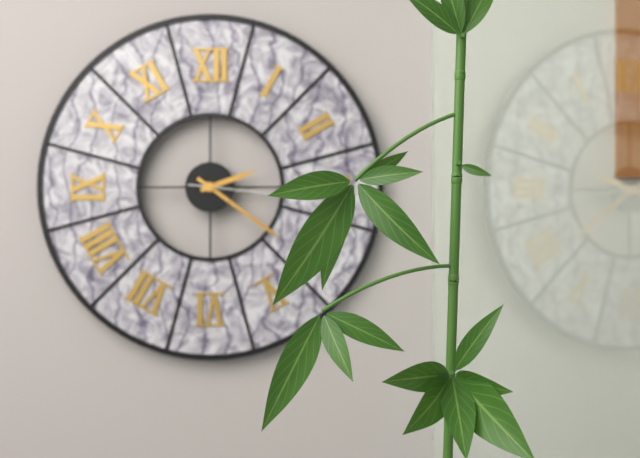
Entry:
2.21.16
